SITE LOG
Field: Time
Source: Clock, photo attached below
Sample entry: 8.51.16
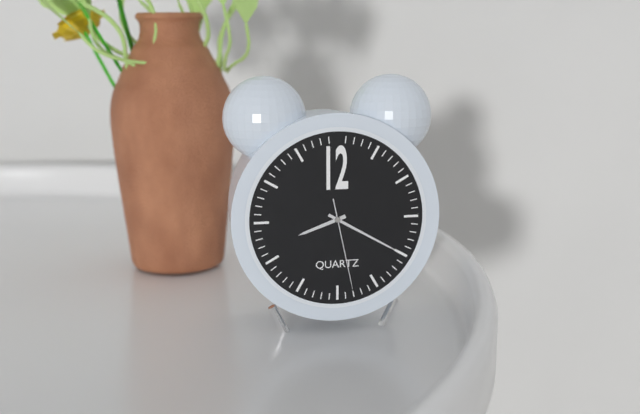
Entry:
8.20.28
